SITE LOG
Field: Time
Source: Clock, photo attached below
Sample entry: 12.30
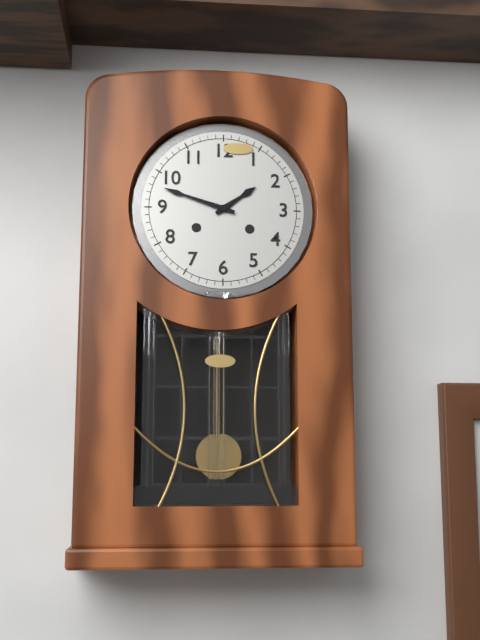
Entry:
1.48
